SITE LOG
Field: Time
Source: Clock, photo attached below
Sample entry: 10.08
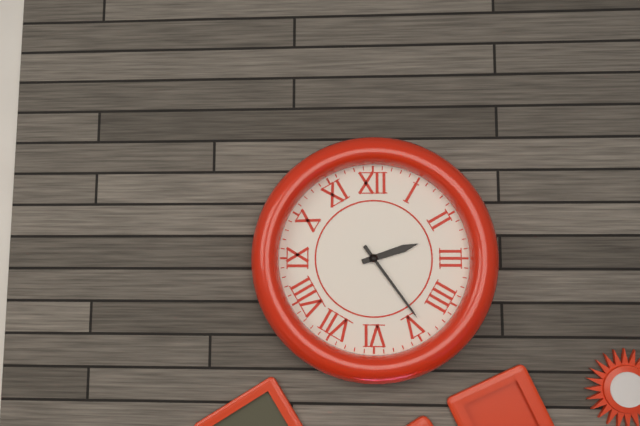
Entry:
2.24
